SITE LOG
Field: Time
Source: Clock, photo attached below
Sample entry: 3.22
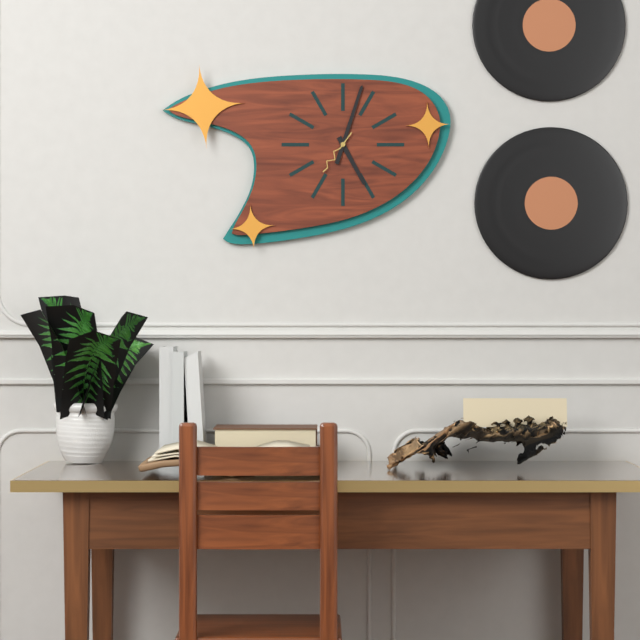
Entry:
5.03
